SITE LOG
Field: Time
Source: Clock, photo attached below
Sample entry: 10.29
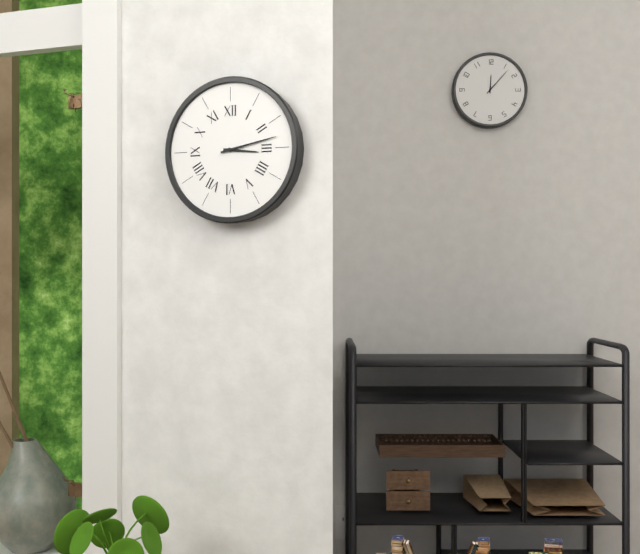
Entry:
3.13
